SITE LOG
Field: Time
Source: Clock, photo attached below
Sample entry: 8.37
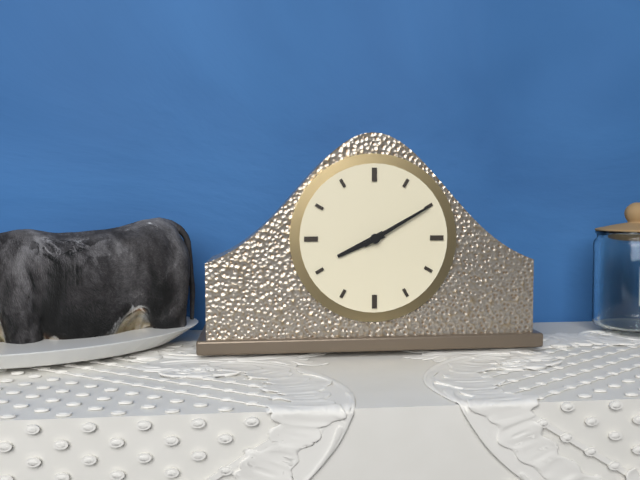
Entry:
8.10
